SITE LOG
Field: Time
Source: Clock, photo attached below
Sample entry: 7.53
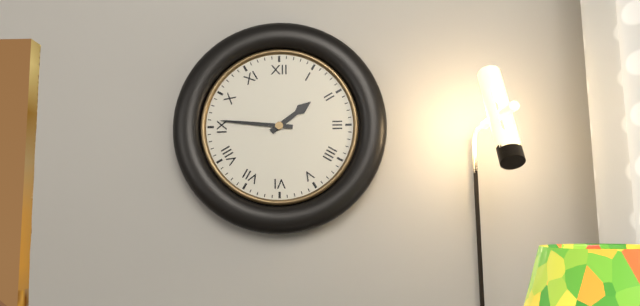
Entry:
1.46
